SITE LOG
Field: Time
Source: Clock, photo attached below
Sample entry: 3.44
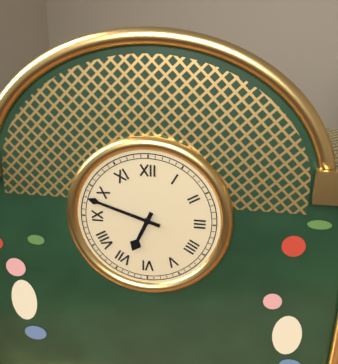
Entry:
6.48
